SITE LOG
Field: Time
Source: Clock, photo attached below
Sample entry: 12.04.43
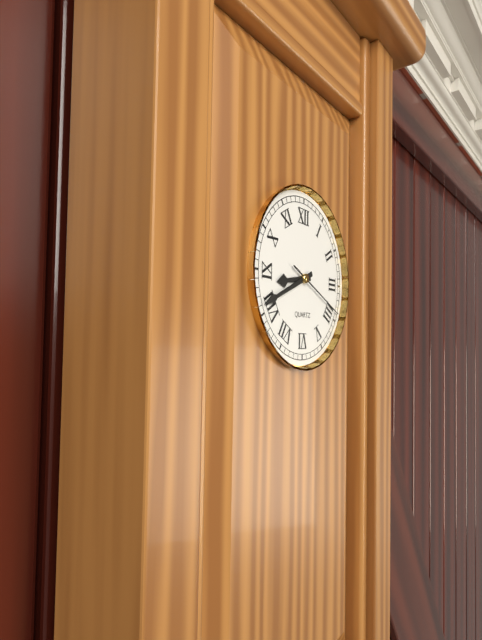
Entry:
8.41.19
